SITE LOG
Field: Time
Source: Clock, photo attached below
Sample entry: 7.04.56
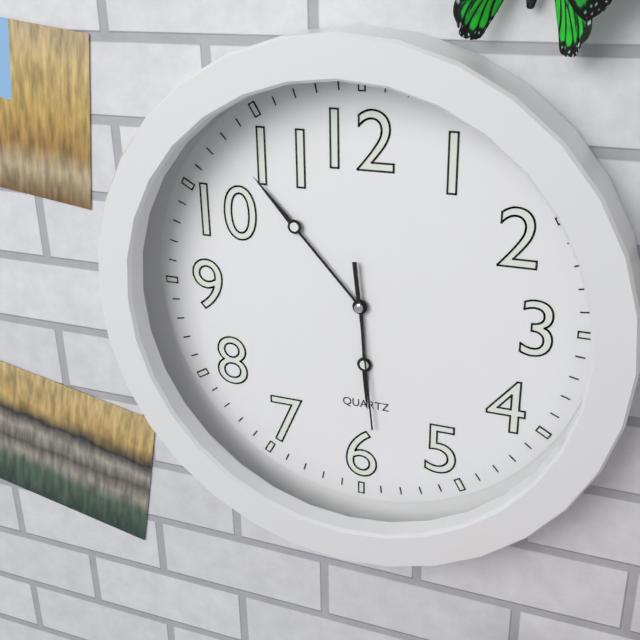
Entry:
5.53.29
